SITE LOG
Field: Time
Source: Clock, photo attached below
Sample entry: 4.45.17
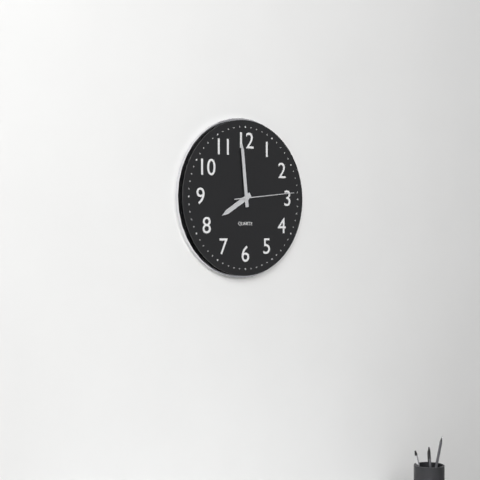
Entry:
7.59.14
